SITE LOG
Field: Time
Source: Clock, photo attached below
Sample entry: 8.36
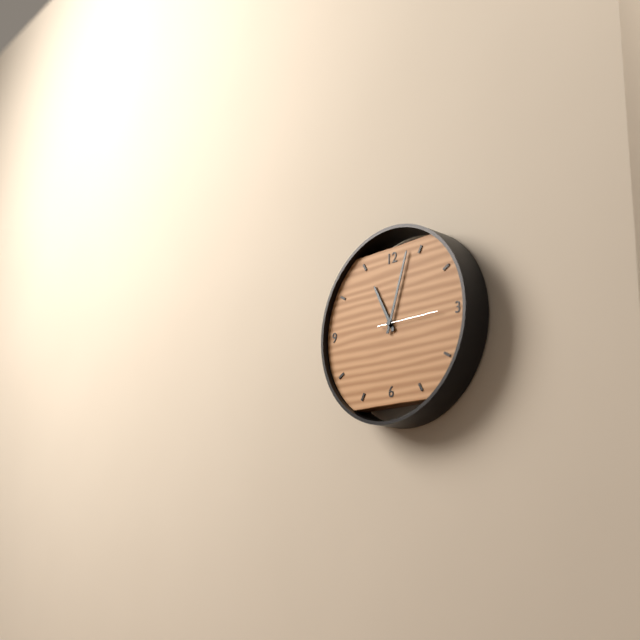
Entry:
11.03
